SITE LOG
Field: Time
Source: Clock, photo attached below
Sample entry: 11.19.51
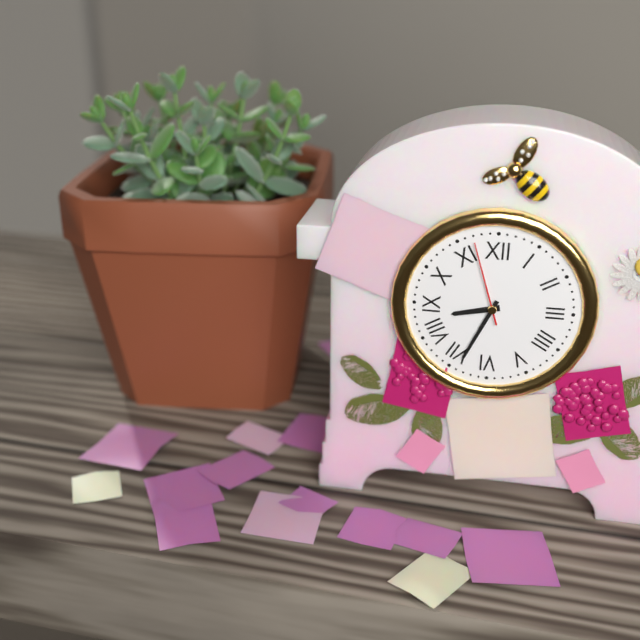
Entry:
8.34.57
